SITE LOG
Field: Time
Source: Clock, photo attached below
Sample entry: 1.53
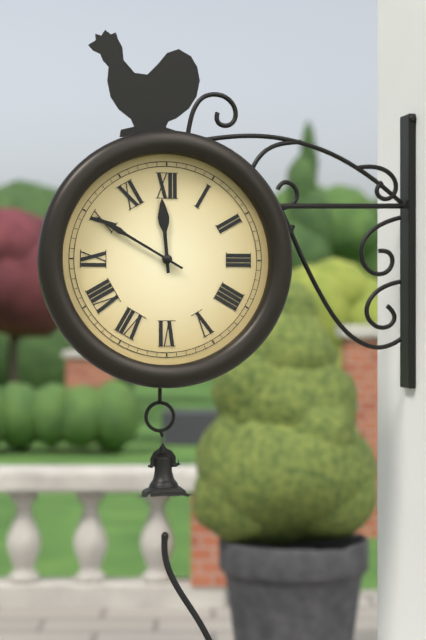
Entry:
11.50
